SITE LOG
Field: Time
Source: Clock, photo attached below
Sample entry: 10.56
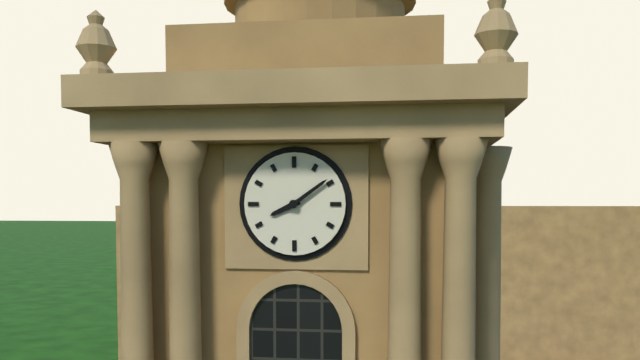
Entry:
8.09
